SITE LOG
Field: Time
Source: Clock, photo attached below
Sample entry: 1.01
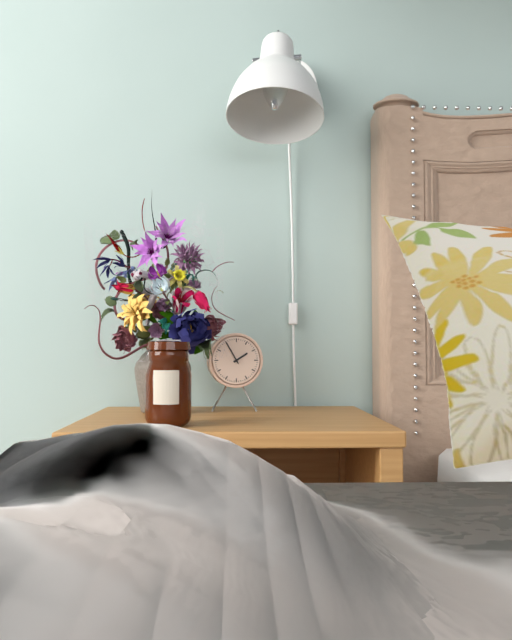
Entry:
1.55
